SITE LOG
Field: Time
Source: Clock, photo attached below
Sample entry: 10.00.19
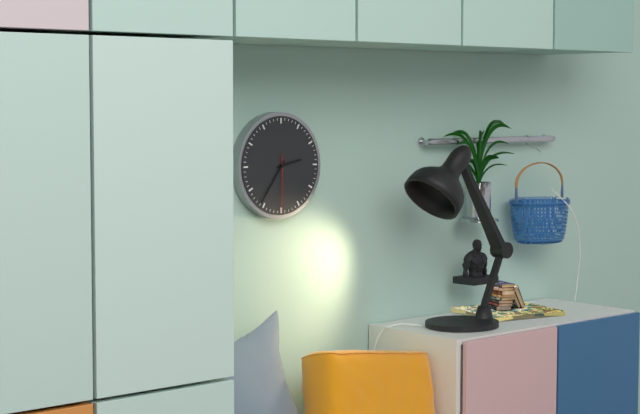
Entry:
2.36.30
